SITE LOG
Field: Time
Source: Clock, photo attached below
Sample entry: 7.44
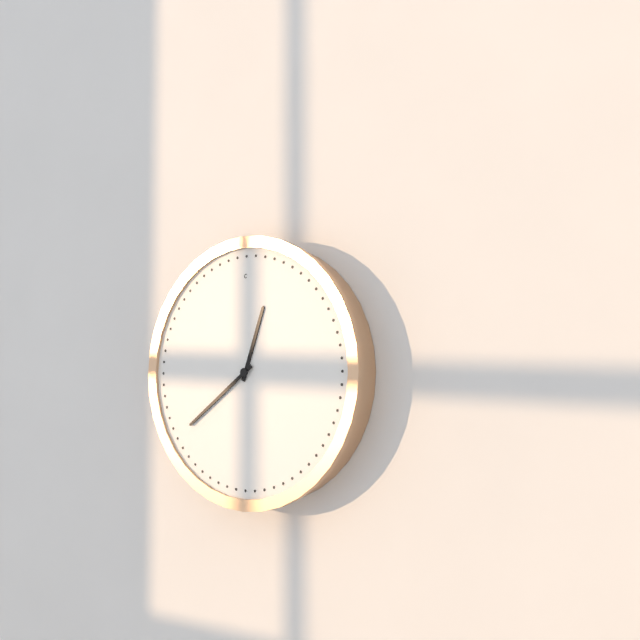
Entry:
12.39
